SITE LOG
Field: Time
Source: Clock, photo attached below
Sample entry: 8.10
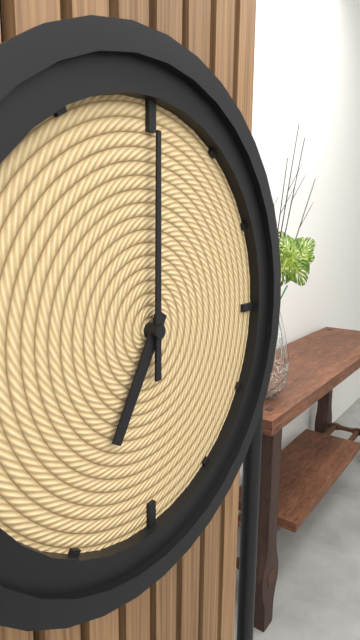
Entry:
7.00
